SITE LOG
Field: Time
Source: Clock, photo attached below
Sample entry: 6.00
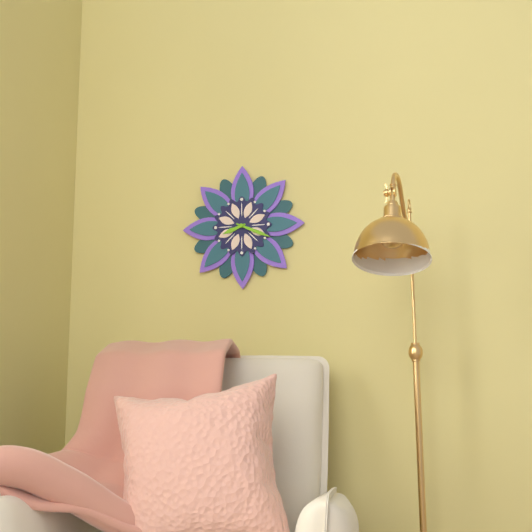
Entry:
8.19
